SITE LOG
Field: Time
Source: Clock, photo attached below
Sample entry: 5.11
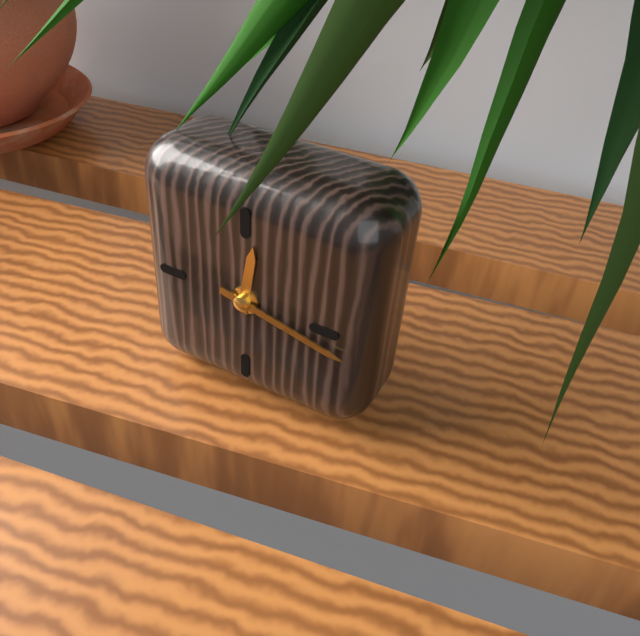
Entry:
12.17
